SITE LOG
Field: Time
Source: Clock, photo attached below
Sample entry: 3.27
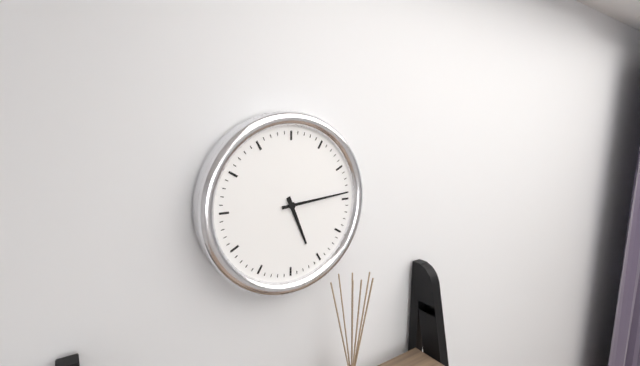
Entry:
5.14
